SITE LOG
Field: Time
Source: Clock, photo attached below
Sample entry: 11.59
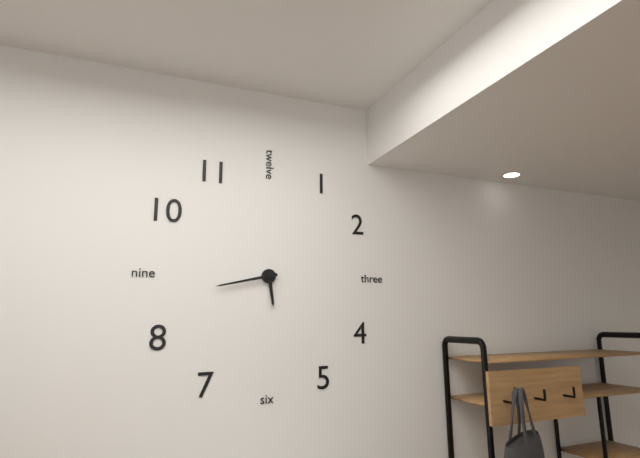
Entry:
5.43
